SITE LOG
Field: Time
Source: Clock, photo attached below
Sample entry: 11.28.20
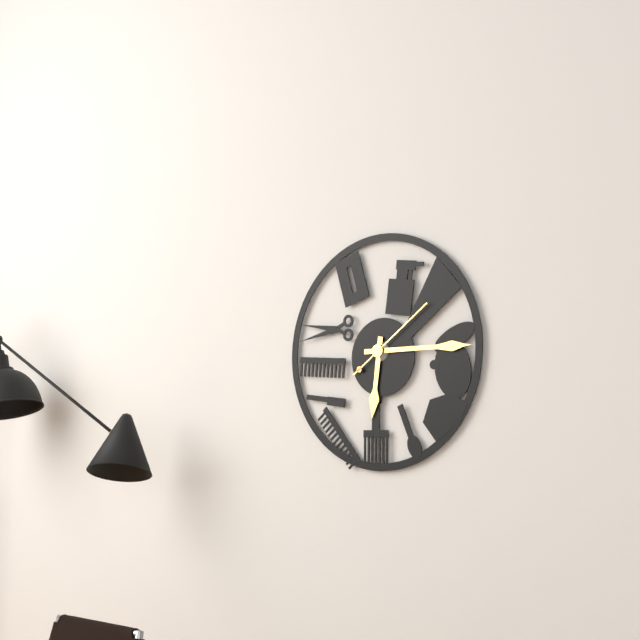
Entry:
6.15.09
